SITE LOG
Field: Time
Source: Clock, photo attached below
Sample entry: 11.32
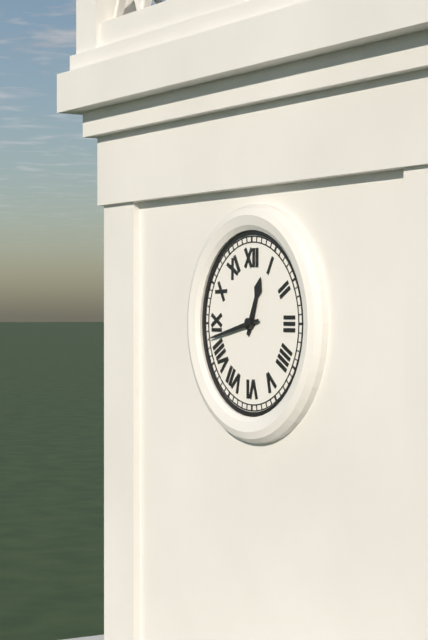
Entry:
12.43
